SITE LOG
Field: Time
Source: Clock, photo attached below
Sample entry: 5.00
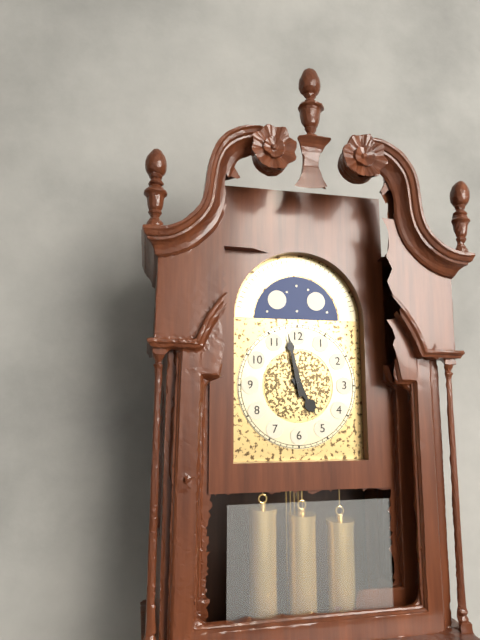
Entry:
4.58
